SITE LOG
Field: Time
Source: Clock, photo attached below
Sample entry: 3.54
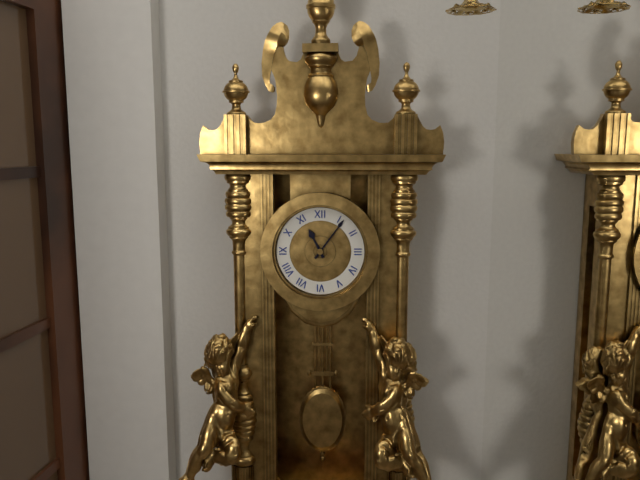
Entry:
11.06
